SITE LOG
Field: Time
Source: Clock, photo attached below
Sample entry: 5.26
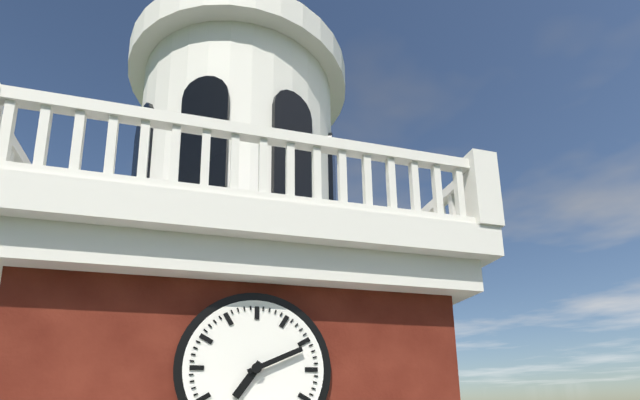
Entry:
7.11
